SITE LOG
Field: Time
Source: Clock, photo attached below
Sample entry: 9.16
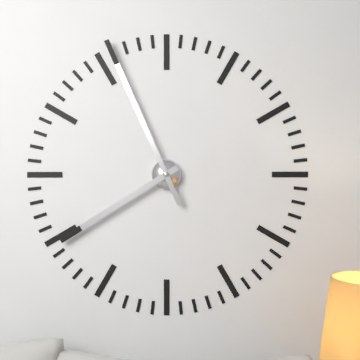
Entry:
7.56
